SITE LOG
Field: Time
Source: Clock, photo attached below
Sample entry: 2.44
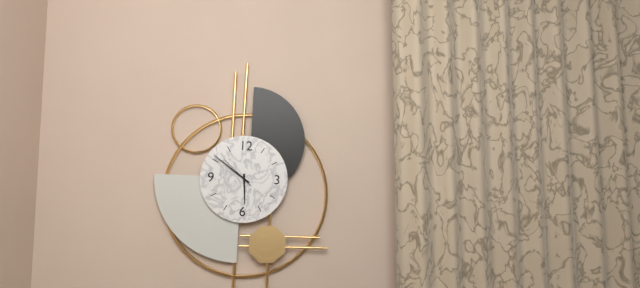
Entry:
5.51
